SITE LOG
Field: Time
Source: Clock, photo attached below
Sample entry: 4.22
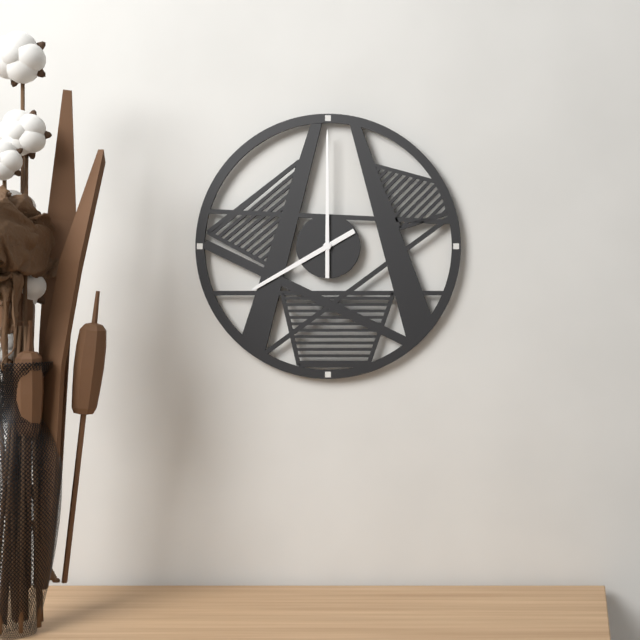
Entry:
8.00
